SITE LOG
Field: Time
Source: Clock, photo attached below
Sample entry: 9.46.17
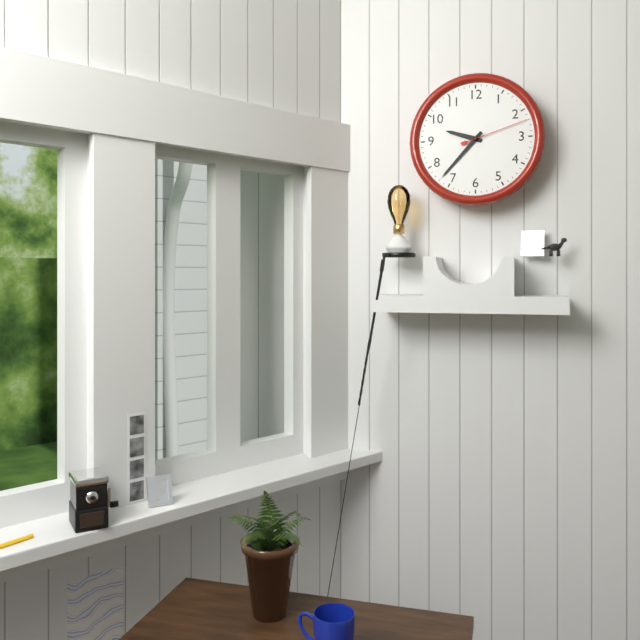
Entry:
9.37.12
